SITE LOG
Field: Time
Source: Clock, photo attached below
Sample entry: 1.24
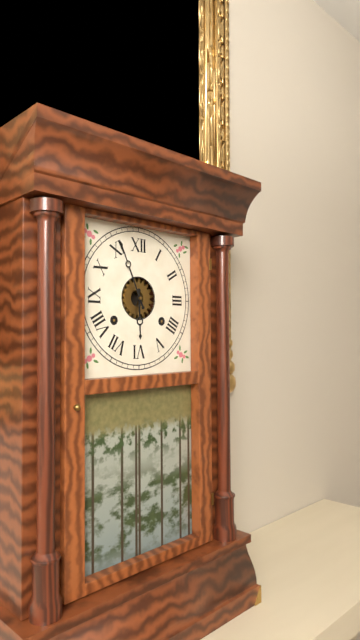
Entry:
5.56
